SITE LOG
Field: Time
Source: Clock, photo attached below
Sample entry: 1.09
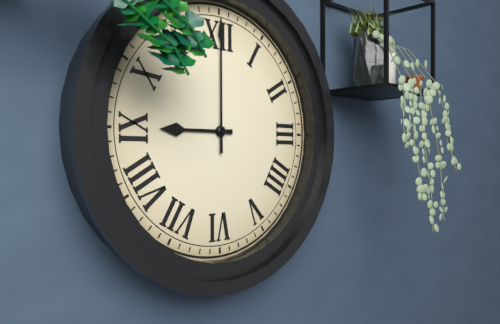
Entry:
9.00
